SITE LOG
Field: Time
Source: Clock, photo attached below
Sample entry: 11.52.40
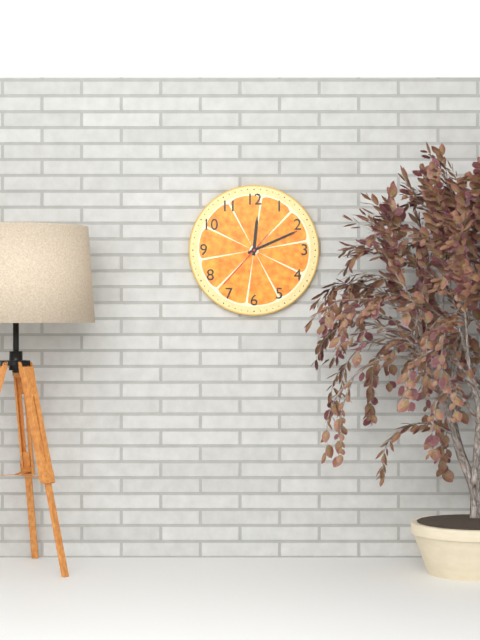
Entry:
12.11.37
